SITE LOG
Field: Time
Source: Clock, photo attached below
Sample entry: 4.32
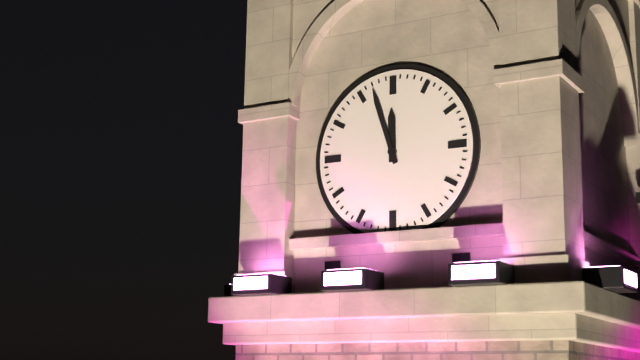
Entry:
11.57
